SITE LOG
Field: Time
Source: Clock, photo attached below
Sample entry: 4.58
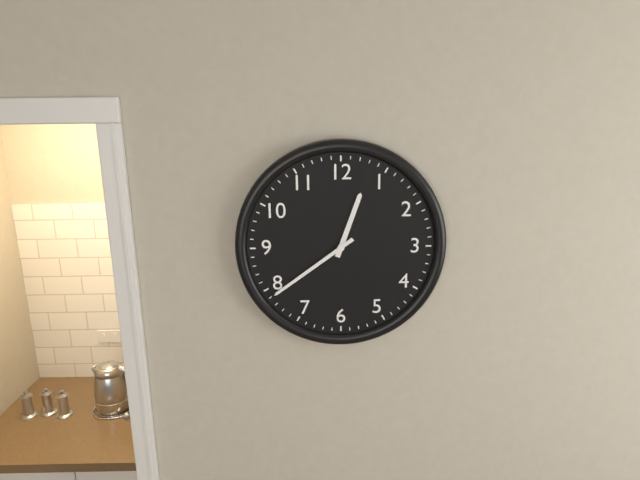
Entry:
12.39
